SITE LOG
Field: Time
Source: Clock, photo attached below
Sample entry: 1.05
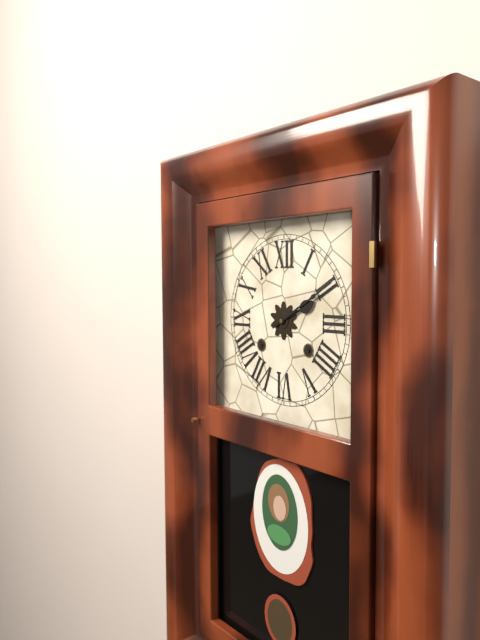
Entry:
2.10
